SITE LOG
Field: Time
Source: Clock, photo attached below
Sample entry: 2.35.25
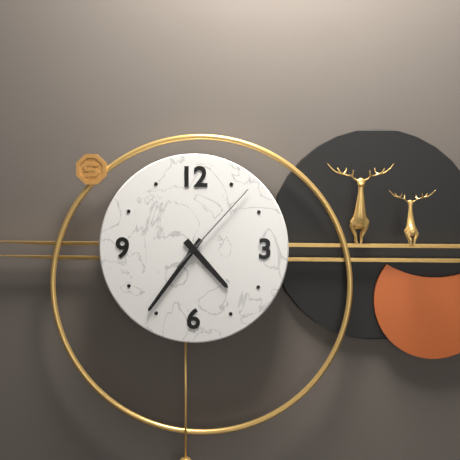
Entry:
4.36.07
